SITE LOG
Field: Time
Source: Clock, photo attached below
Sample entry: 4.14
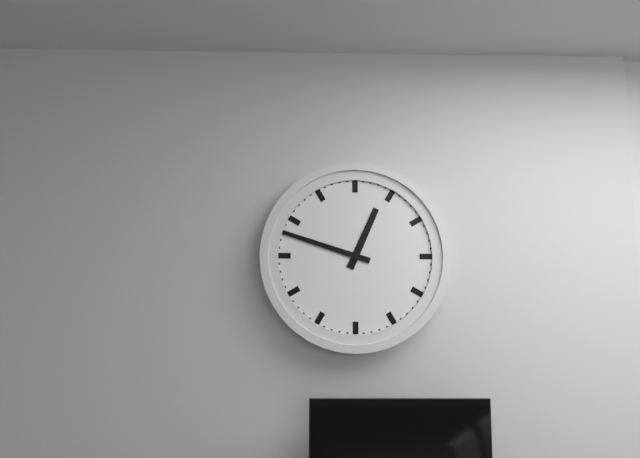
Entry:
12.48
